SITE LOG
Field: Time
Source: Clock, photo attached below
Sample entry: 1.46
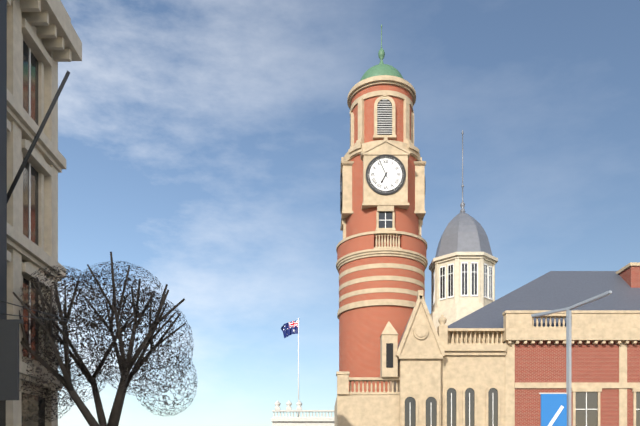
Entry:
6.56
